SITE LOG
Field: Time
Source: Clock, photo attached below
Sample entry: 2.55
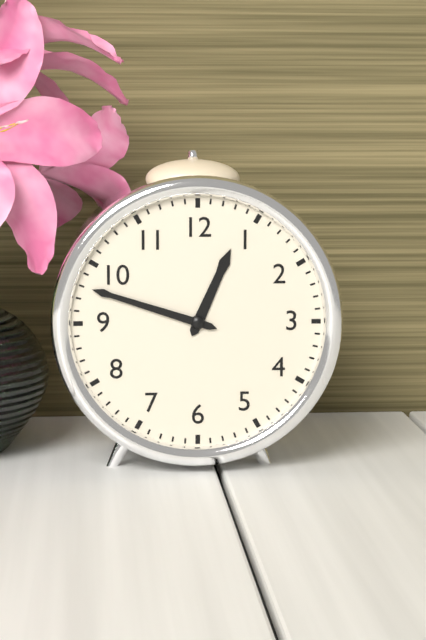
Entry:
12.48
